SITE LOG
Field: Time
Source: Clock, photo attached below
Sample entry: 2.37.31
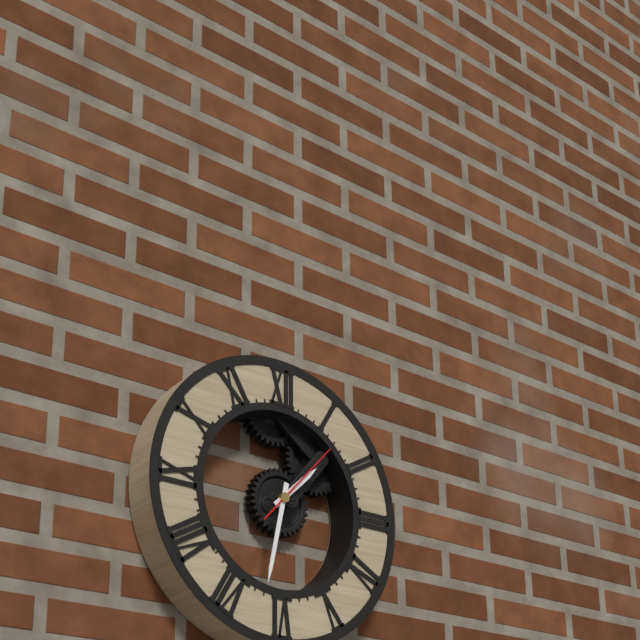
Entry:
1.32.07
